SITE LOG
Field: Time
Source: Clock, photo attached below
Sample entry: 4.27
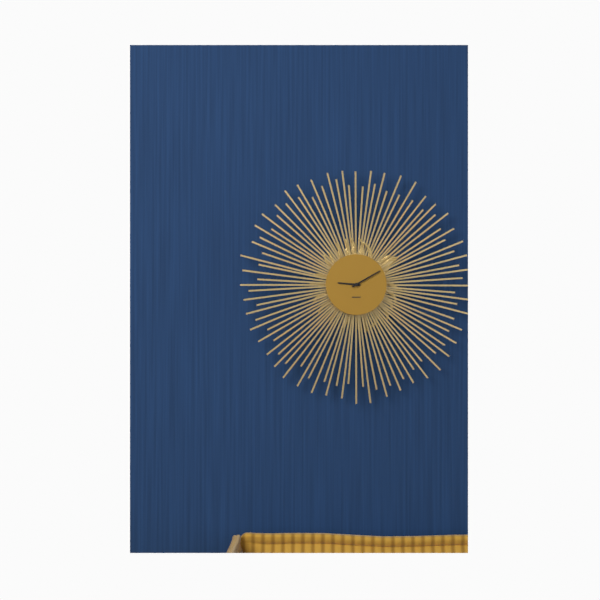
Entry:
9.10
